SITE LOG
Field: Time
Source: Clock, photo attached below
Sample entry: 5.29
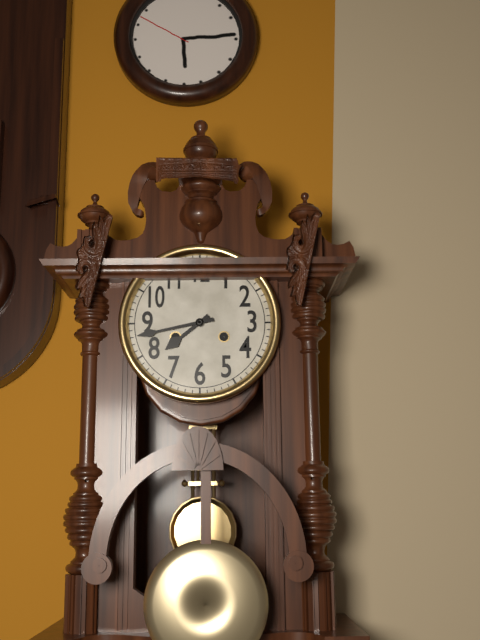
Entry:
7.43
